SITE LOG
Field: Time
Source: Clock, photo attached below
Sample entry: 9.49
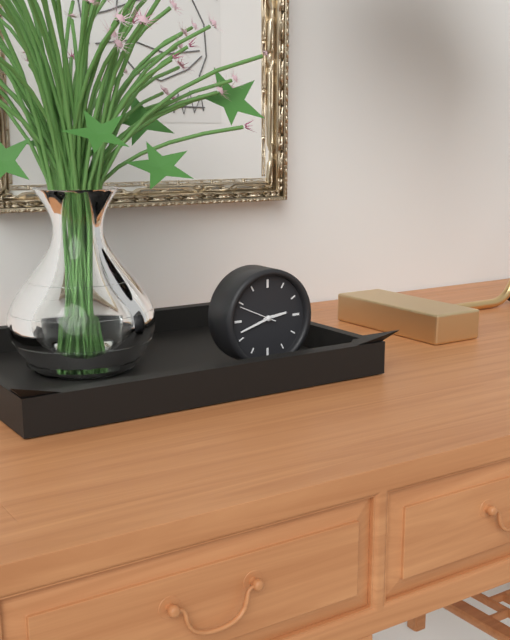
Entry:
2.42
